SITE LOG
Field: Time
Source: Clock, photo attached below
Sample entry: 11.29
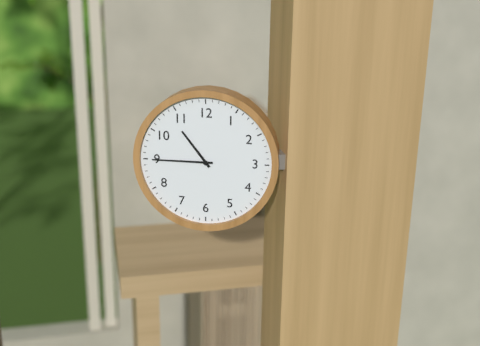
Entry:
10.45
